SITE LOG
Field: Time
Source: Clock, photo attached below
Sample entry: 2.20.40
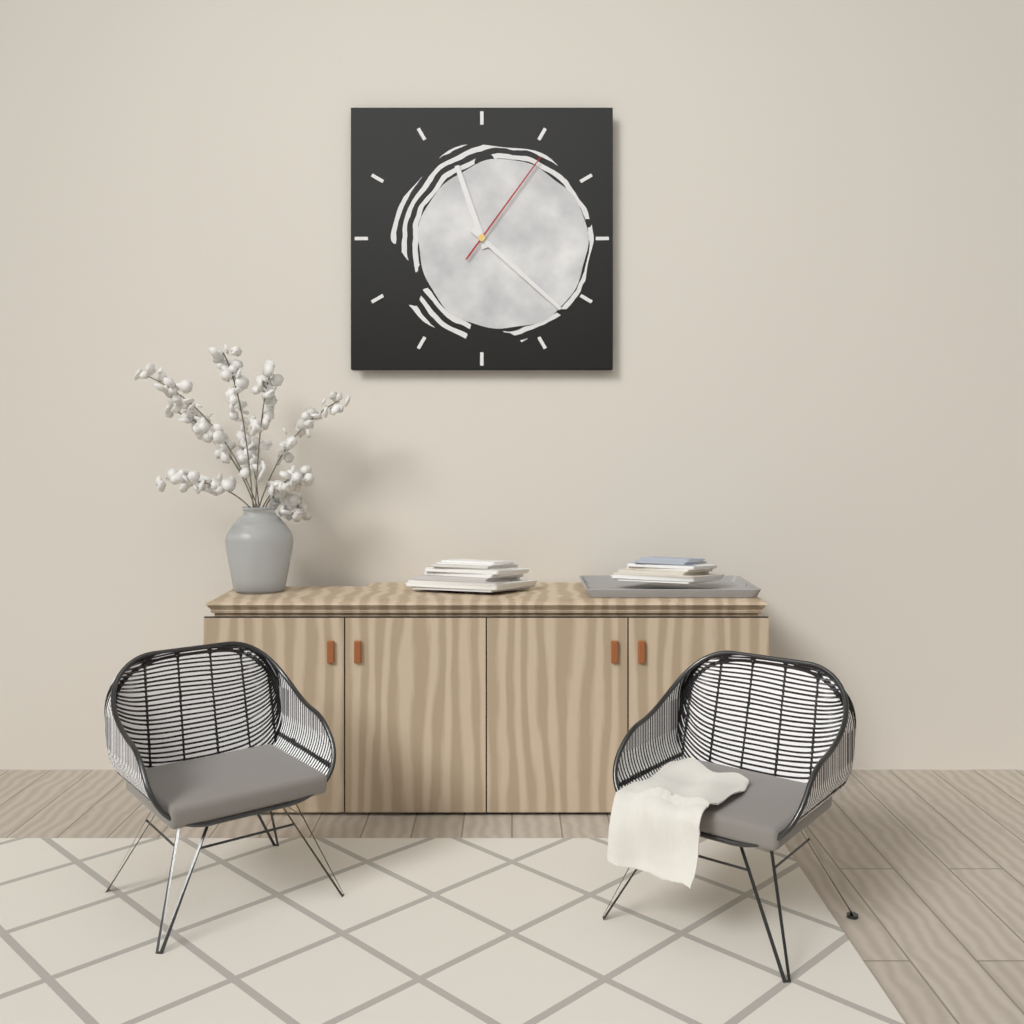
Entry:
11.22.06
